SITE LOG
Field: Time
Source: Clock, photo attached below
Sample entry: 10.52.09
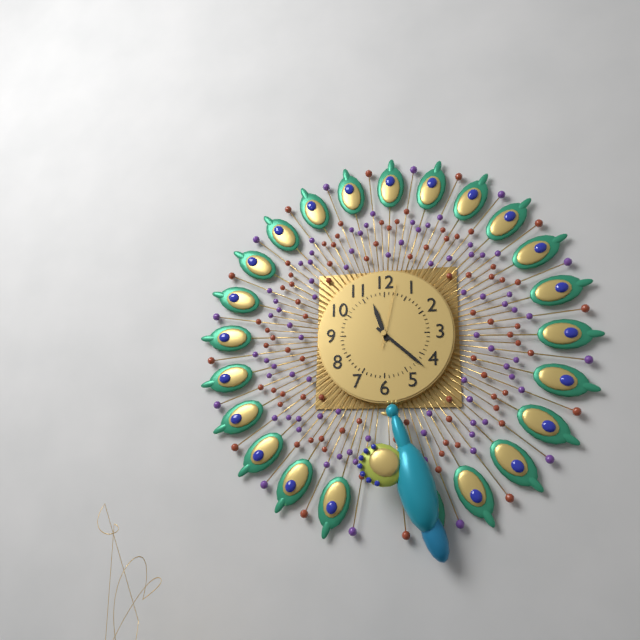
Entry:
11.22.02
